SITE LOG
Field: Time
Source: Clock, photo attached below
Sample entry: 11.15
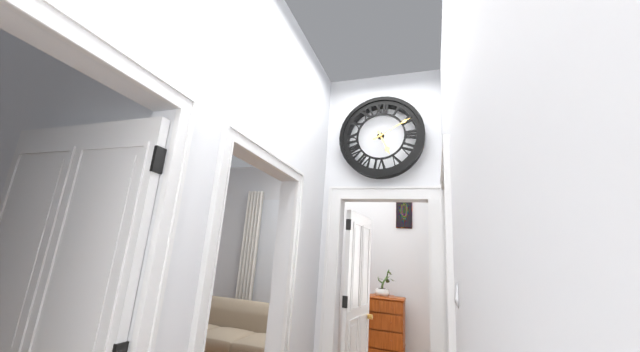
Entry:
5.10
